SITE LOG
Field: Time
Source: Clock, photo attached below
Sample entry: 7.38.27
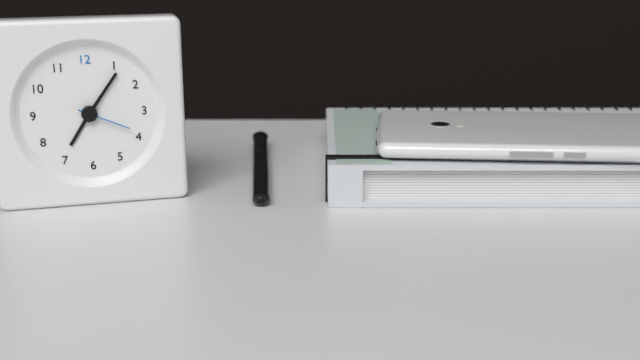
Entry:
7.06.19
